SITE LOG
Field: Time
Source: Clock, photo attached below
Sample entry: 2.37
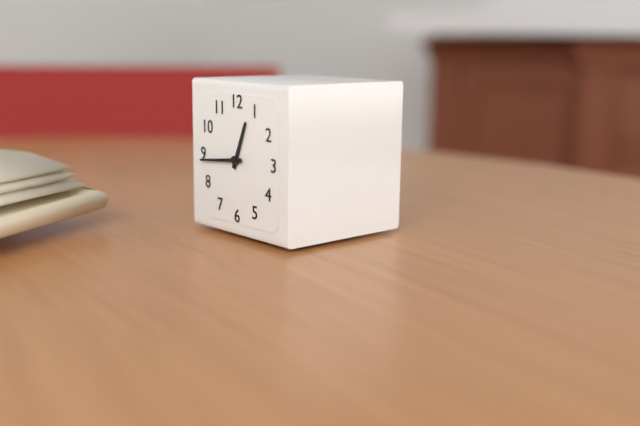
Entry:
12.44
